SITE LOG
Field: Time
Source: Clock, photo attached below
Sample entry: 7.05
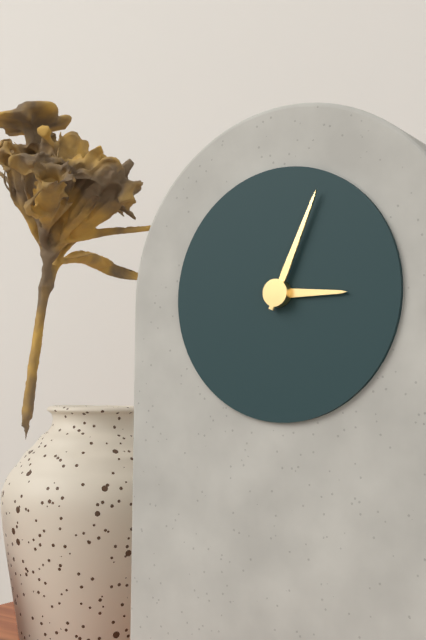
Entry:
3.04
